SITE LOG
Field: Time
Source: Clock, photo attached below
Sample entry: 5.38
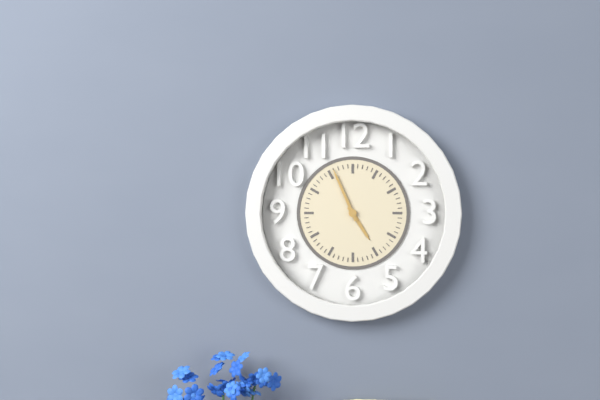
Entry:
4.56
